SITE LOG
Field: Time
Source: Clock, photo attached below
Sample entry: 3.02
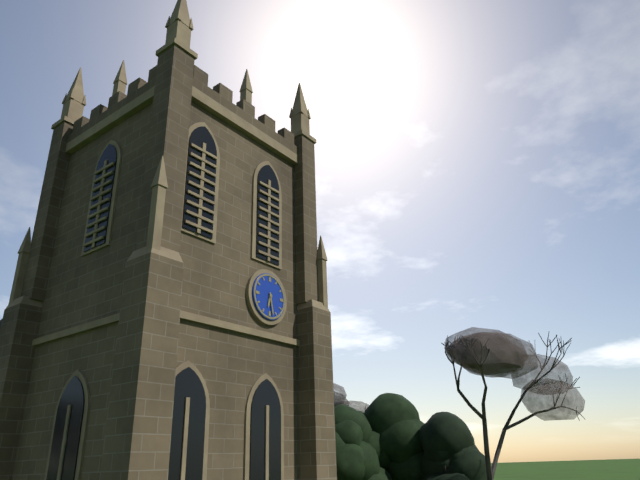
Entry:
6.28
